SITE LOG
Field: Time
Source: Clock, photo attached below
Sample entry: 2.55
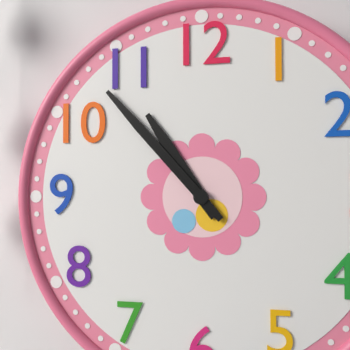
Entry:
10.53
